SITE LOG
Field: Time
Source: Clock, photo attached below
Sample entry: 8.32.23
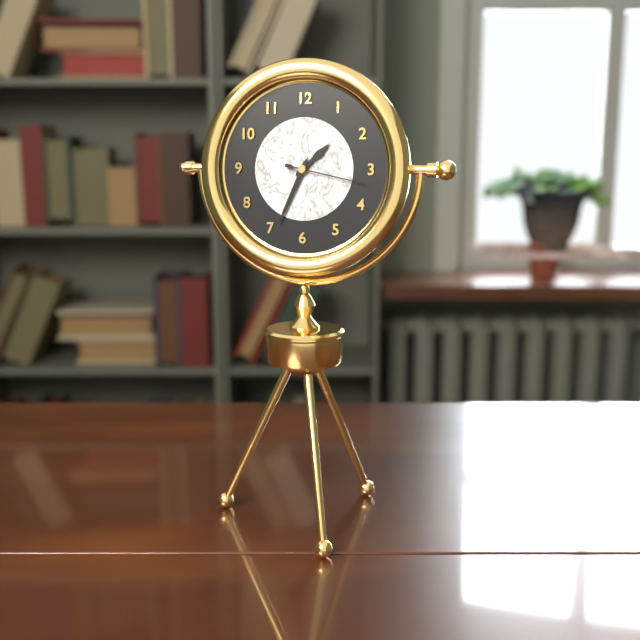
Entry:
1.34.17
